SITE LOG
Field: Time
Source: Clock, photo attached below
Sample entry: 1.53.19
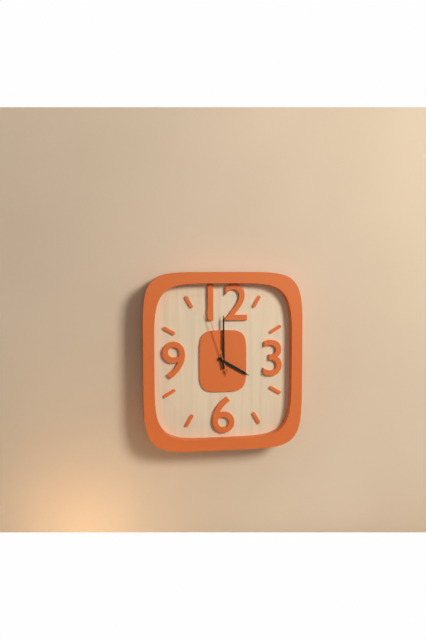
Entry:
4.00.57
